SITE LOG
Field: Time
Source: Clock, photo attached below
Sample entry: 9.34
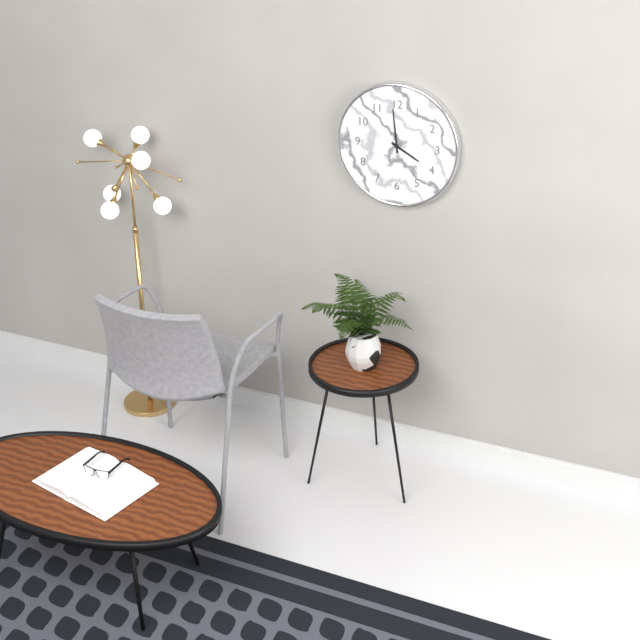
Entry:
3.59
